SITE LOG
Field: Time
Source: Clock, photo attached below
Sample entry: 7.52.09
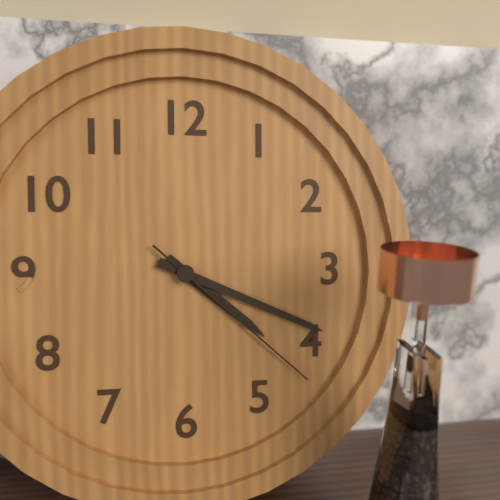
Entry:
4.19.22
